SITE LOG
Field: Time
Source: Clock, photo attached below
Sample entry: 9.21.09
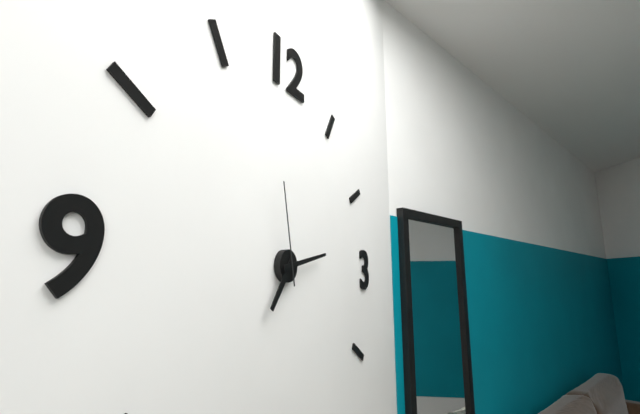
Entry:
7.13.58
